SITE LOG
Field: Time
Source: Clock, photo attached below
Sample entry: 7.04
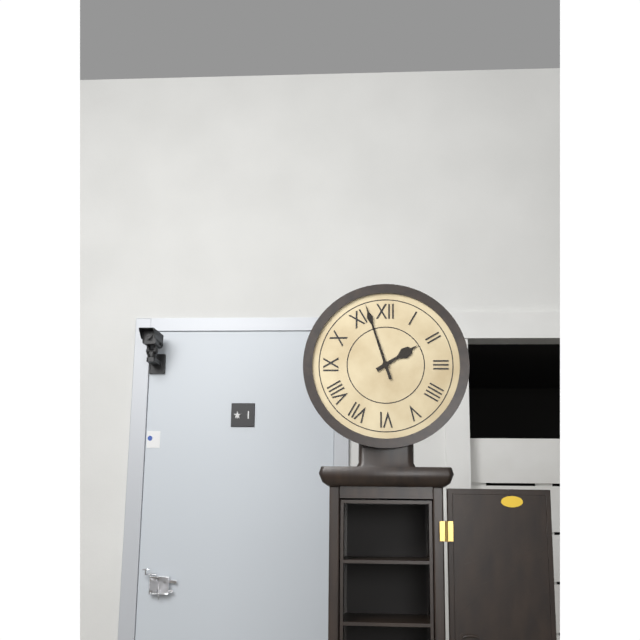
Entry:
1.57
